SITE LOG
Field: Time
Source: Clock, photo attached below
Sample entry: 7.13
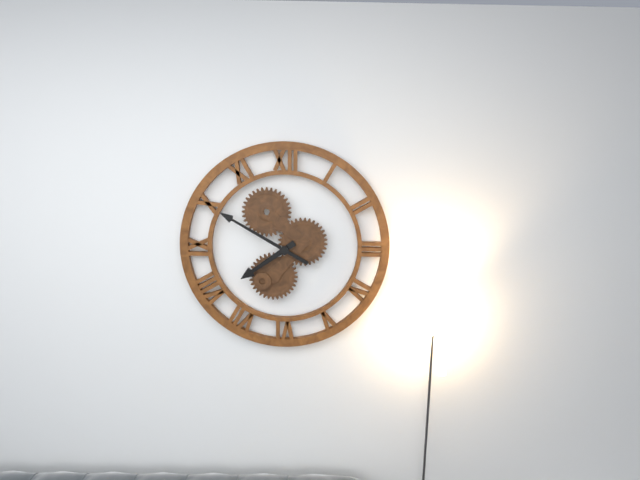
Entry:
7.50
